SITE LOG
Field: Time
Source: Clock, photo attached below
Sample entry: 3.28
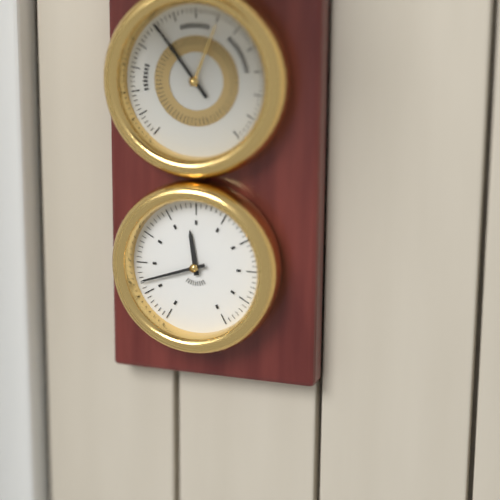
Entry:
11.42
